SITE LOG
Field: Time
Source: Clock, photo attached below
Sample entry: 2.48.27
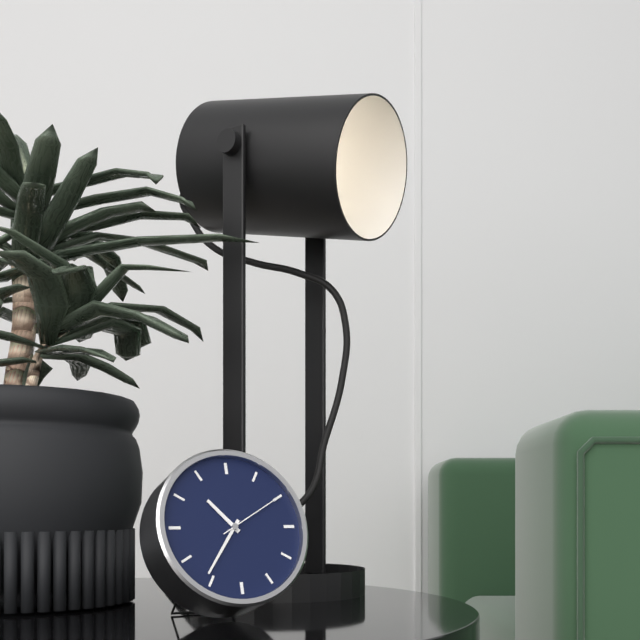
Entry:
10.36.10
